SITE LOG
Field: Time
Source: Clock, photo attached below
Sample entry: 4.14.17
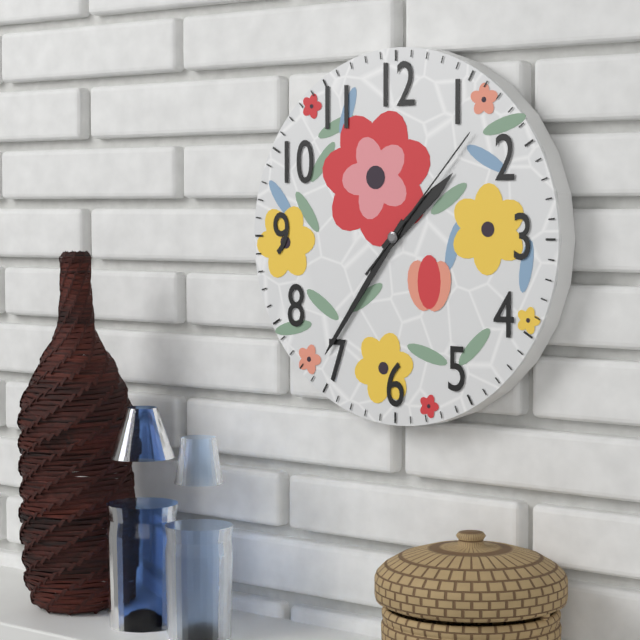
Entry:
1.36.07
